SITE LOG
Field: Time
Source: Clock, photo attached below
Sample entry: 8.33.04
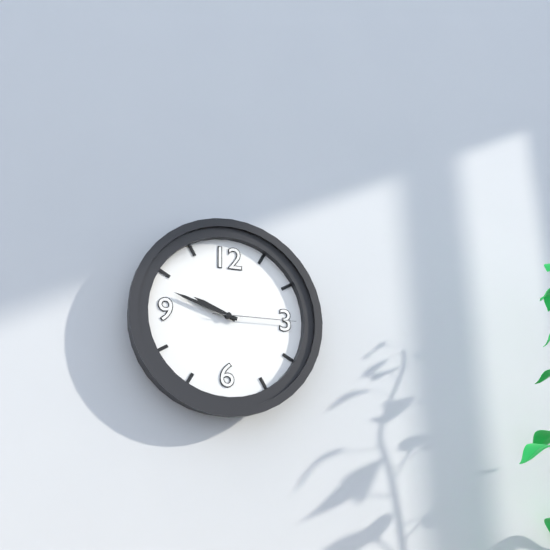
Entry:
9.48.15
